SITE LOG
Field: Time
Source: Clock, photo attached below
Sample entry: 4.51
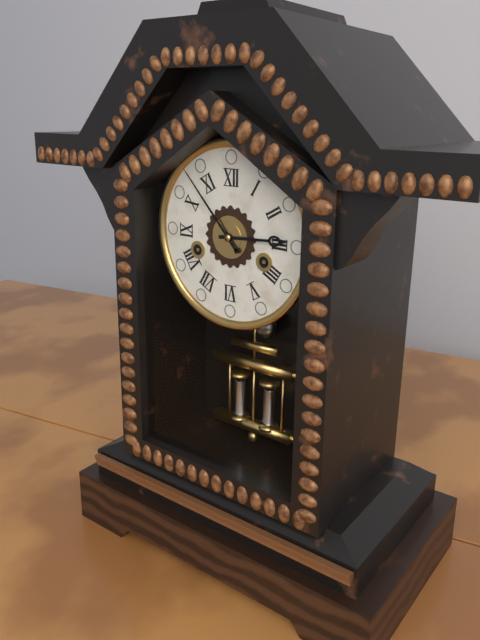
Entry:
2.53
